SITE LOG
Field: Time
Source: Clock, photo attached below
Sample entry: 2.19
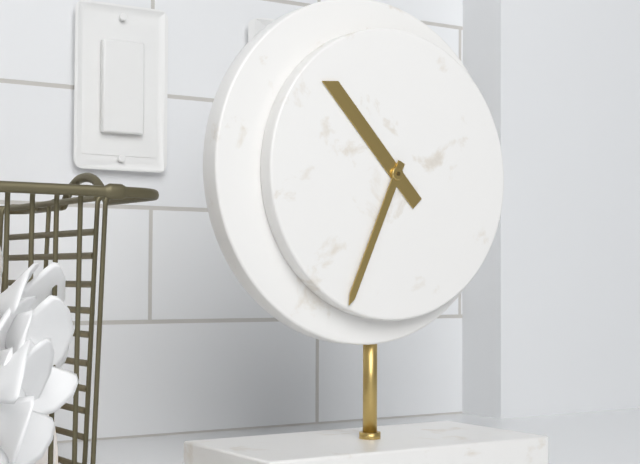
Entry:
10.34
